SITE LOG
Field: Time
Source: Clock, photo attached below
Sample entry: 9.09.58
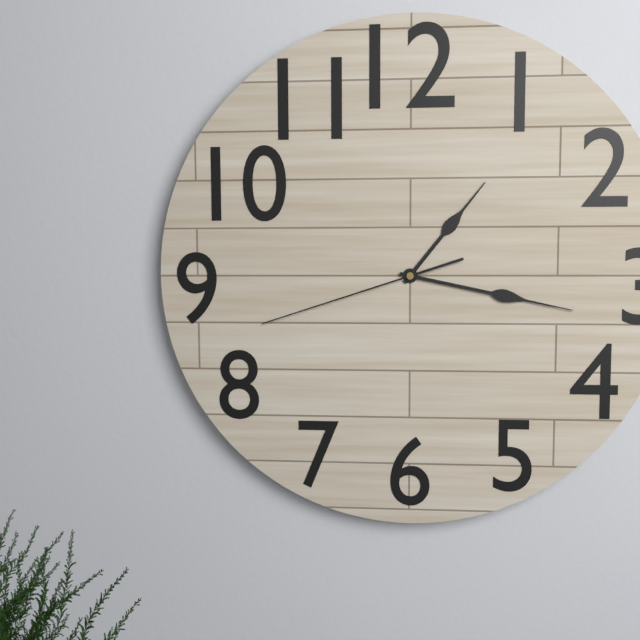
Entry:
1.17.42
